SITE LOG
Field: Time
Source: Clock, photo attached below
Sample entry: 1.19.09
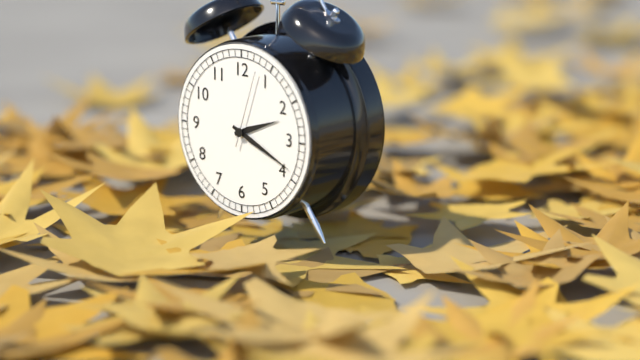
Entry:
2.19.03
